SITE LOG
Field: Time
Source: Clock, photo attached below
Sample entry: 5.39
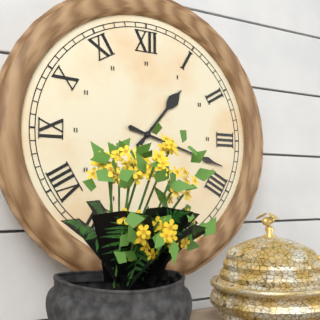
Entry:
1.18
